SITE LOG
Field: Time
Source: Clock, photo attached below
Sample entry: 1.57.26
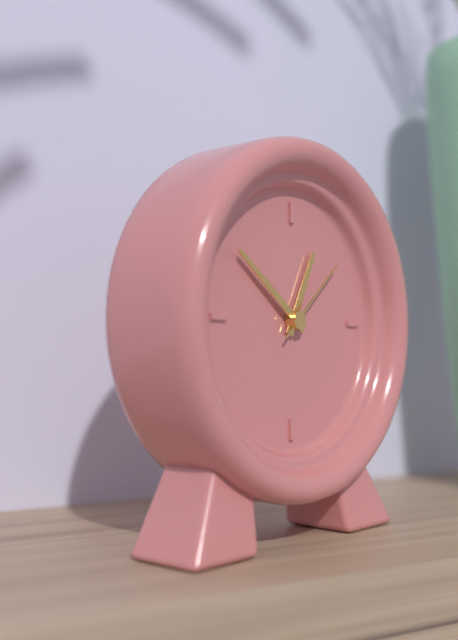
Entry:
12.51.08
